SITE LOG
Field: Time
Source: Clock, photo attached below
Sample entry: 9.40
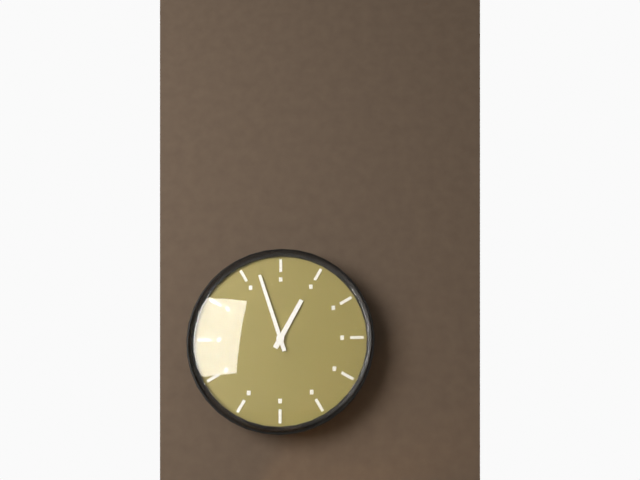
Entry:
12.57
